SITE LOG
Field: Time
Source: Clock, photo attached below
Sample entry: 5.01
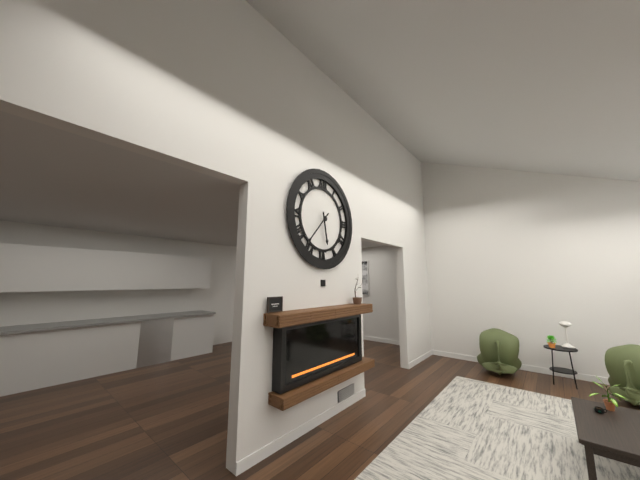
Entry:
5.37
